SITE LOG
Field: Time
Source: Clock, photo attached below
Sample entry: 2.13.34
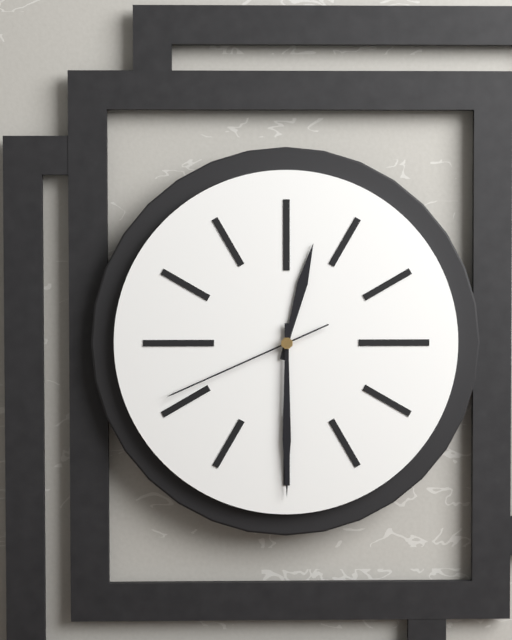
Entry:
12.30.41
